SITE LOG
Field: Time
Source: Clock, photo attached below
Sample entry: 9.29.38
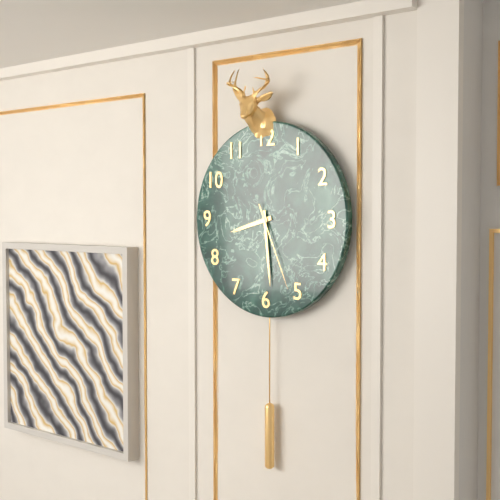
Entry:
8.29.26
